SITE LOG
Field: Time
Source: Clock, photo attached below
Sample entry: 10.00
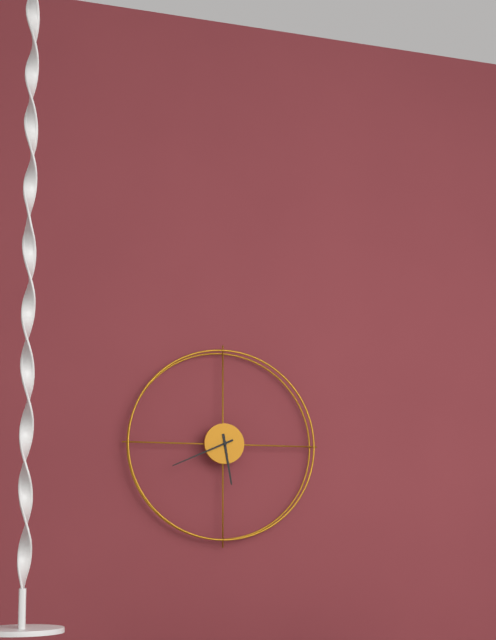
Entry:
5.41
